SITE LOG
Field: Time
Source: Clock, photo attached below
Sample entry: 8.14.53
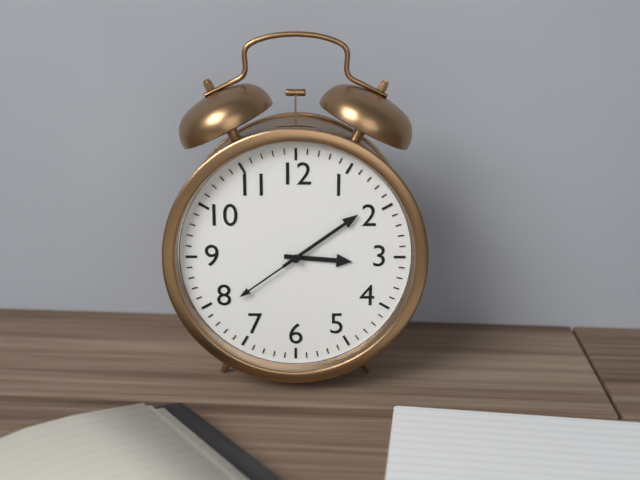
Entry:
3.09.39
